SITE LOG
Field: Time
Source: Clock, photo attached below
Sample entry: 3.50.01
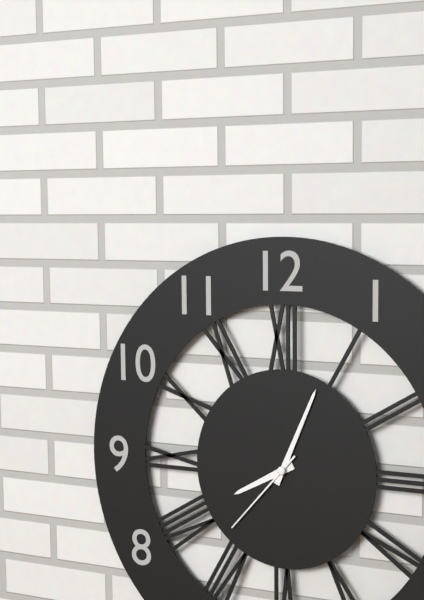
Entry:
8.04.37
